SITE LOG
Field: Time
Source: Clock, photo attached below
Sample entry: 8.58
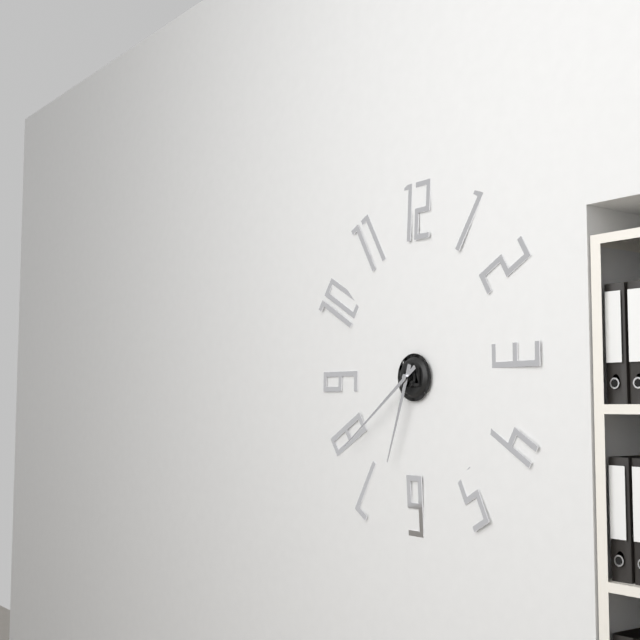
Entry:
6.39
